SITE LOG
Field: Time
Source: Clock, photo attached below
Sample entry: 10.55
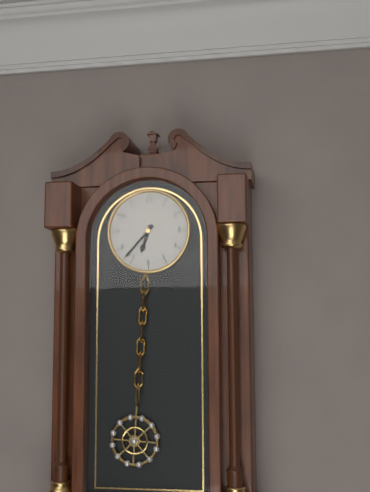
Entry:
6.37
